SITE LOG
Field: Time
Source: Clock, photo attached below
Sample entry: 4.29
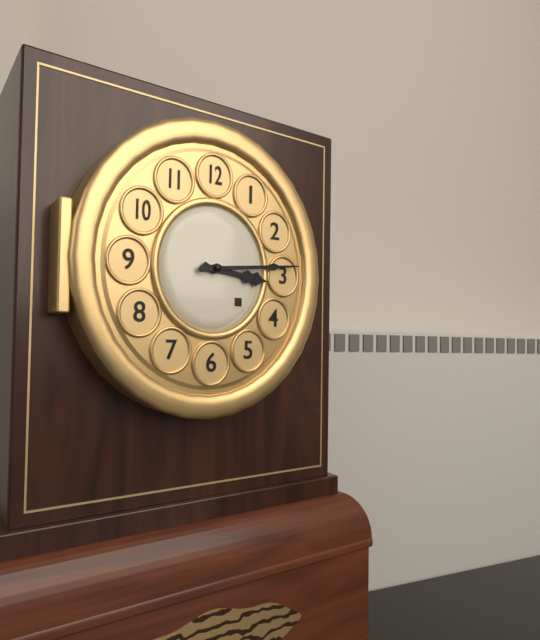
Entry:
3.14
